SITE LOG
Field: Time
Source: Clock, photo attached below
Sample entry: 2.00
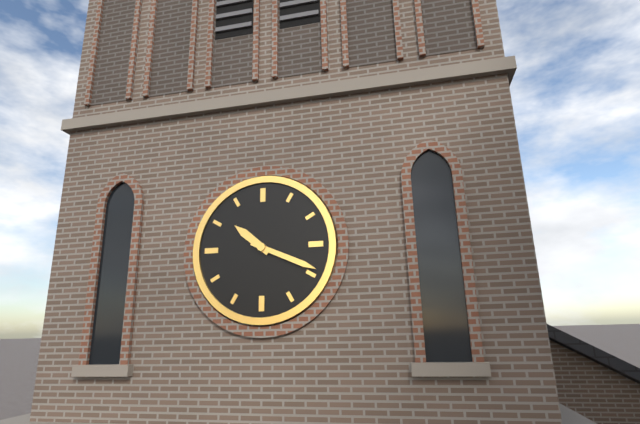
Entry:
10.19
